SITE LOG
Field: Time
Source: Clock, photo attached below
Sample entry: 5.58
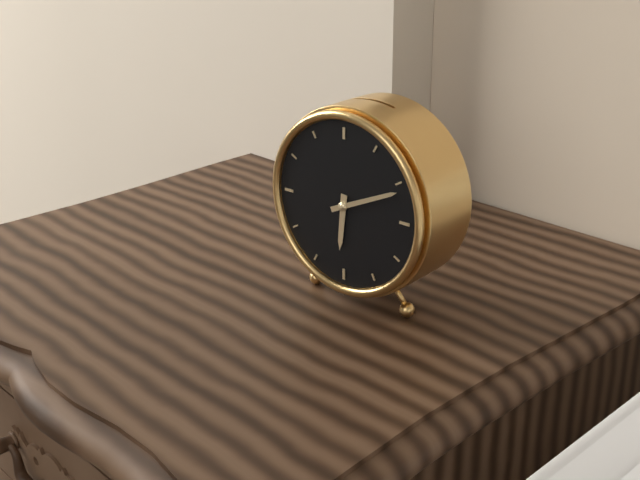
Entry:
6.11
